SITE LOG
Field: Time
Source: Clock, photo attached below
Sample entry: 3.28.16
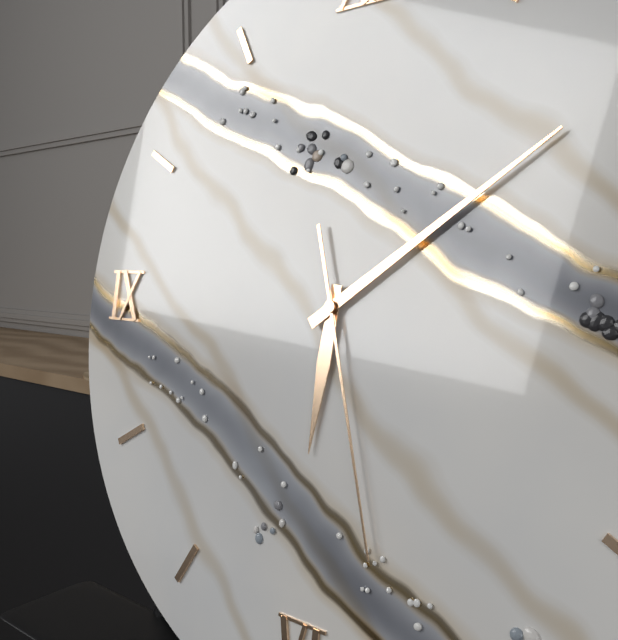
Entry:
6.09.27
